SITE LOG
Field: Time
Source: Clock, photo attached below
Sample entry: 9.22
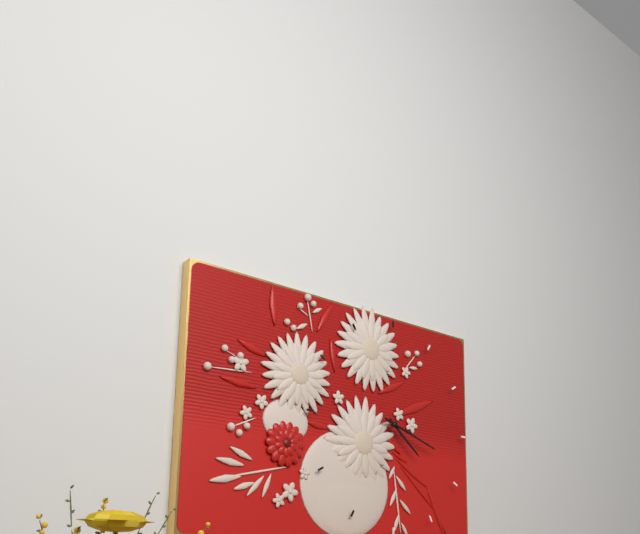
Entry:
4.18
